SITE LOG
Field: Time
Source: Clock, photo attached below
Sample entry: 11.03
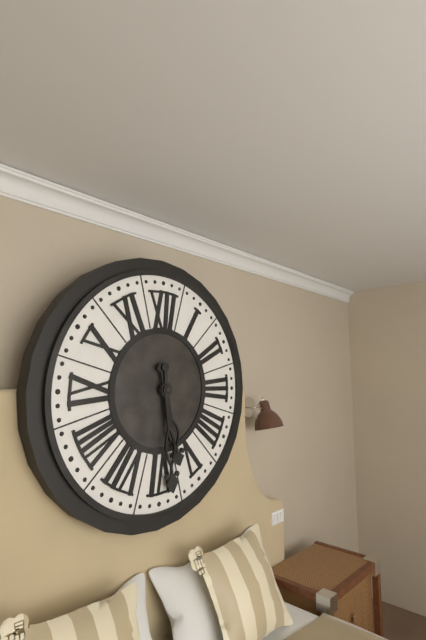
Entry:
5.29
